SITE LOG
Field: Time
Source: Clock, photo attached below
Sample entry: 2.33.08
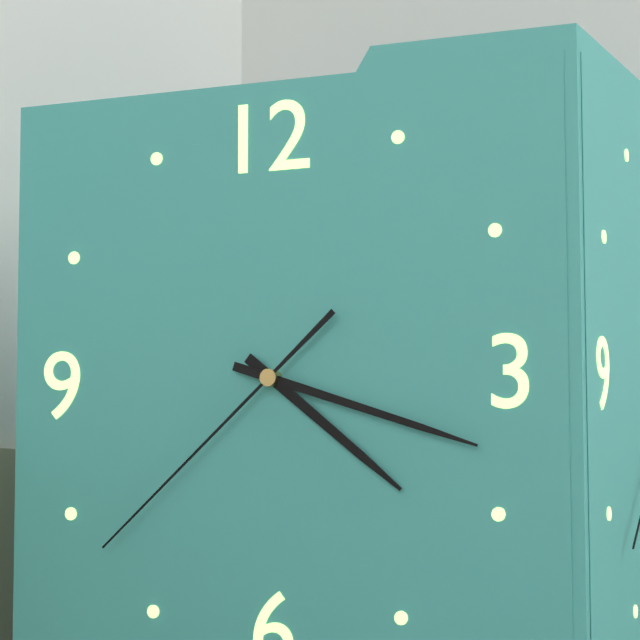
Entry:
4.18.38
